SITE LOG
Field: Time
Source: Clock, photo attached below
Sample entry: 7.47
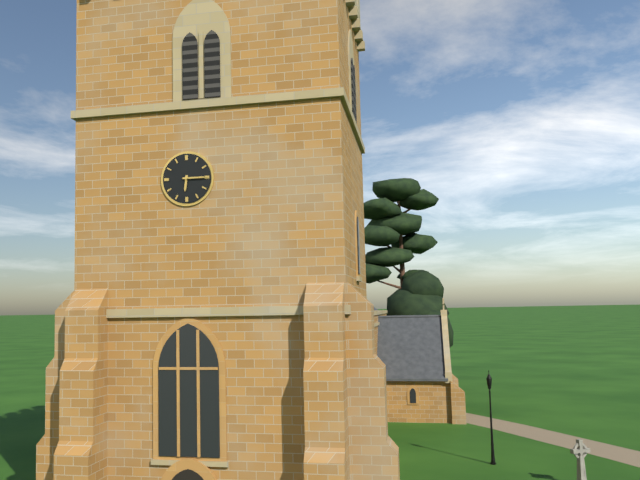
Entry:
6.15
